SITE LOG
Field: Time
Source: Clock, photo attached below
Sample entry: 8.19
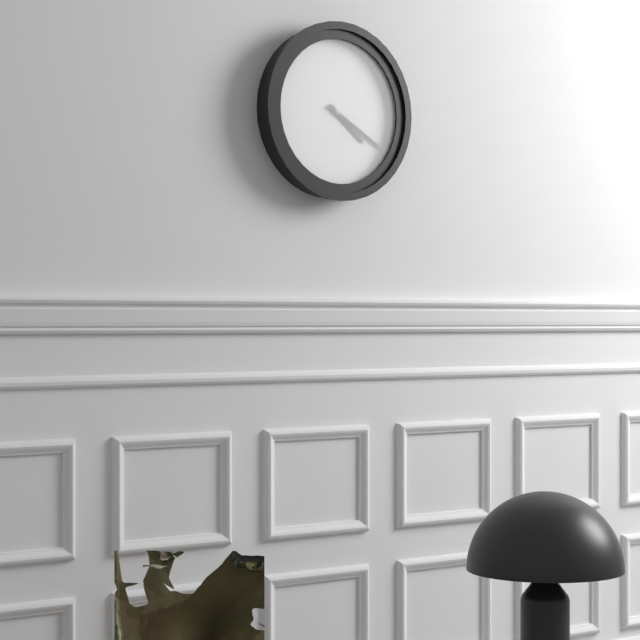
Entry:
4.20
